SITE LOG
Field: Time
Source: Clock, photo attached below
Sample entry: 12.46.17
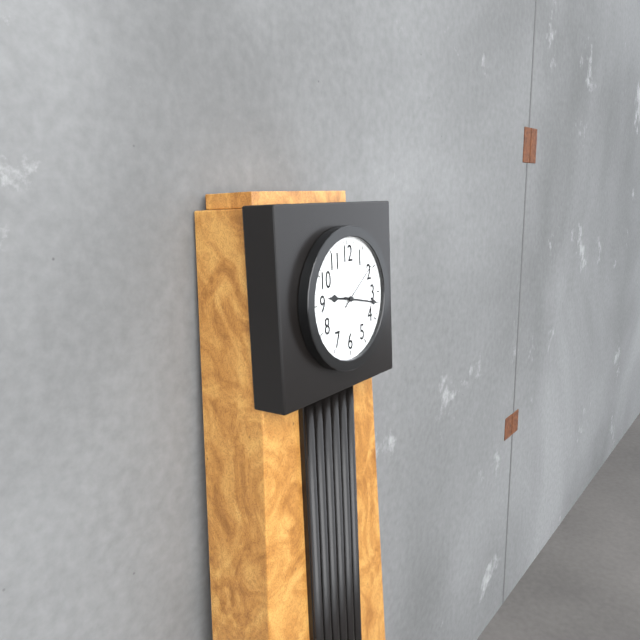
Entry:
9.17.09
